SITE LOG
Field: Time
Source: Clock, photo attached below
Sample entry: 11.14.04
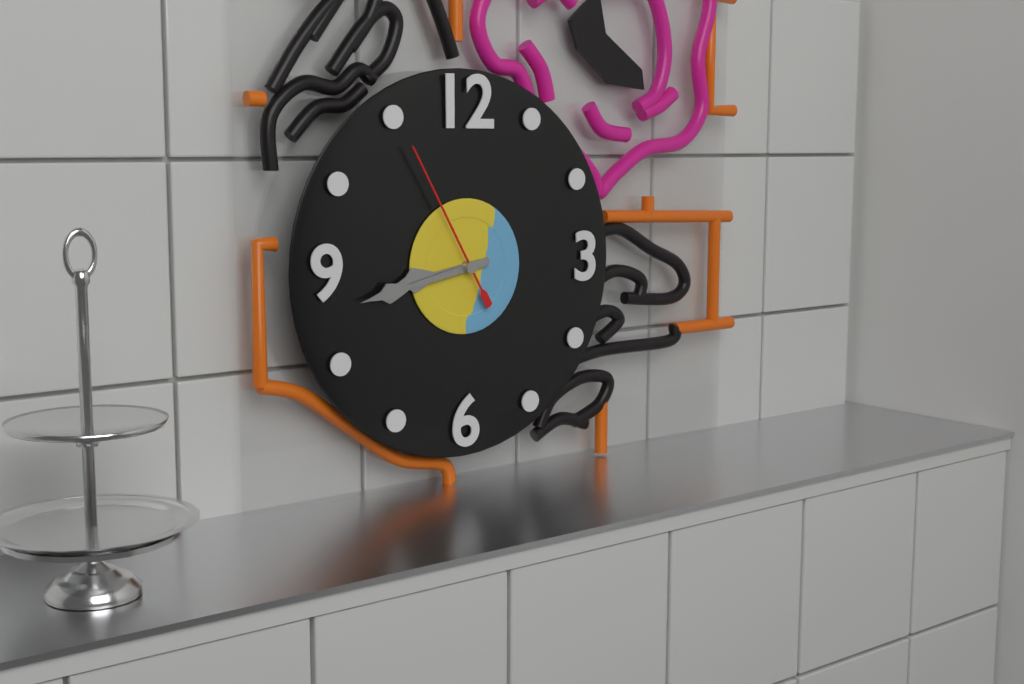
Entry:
8.43.55
